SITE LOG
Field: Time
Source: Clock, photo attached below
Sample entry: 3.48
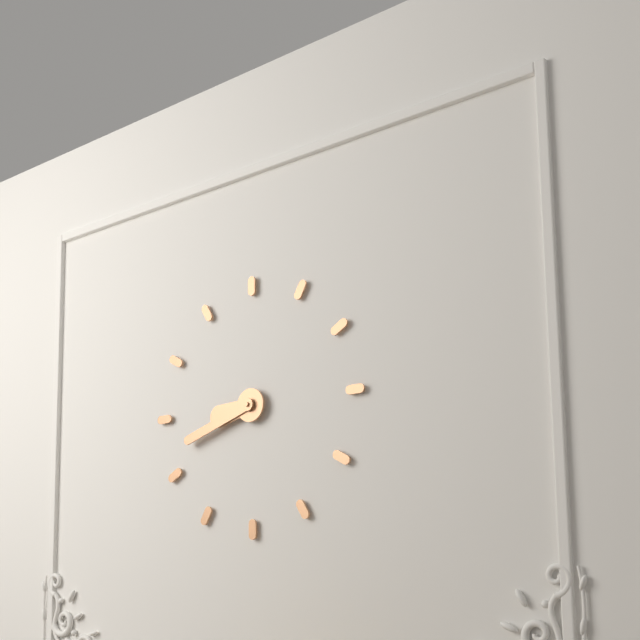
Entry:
8.42
